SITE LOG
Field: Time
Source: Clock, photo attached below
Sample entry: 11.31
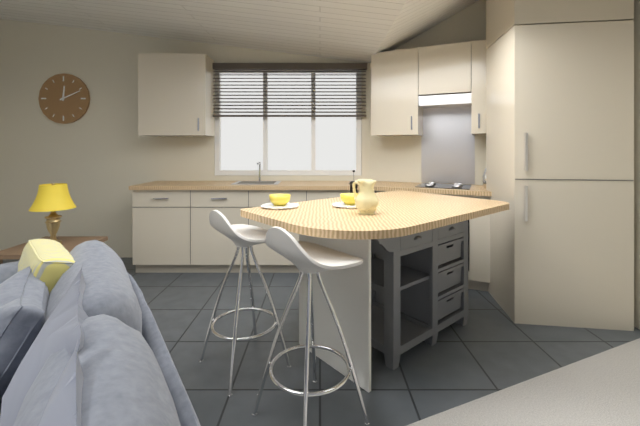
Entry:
12.11
